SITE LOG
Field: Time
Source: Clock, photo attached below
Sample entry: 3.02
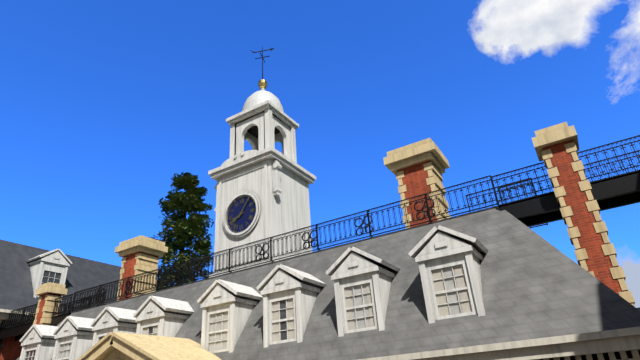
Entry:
8.06
